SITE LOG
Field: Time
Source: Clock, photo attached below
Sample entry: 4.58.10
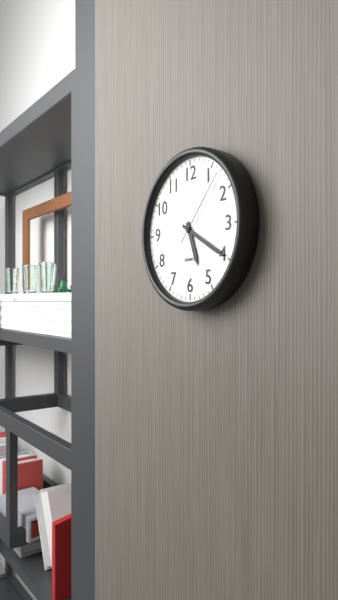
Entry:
5.20.07
